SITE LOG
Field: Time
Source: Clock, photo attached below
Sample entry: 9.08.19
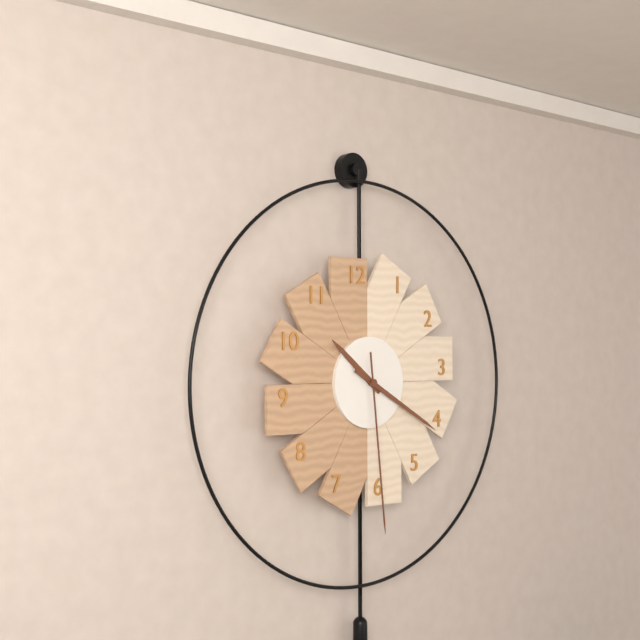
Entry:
10.20.29
